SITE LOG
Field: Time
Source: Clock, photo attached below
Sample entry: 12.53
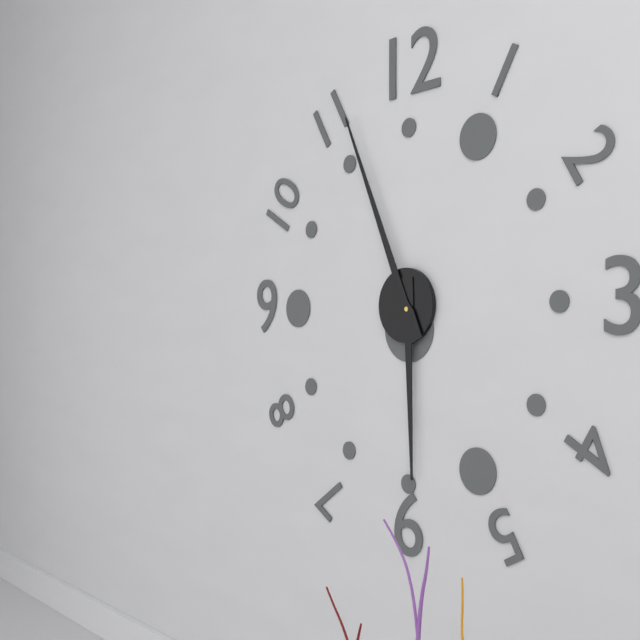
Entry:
5.56
